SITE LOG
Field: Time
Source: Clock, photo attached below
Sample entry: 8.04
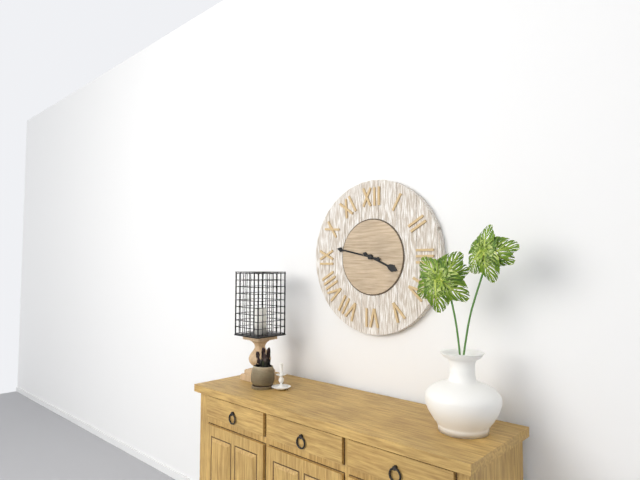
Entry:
3.47
